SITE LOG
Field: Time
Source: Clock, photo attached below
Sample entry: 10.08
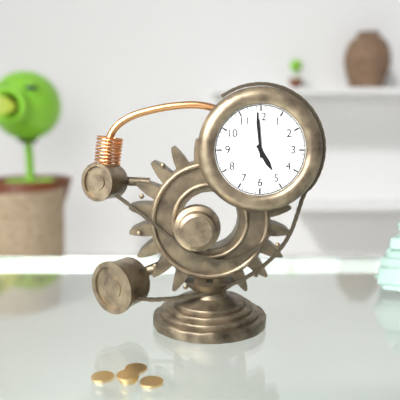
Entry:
4.59
